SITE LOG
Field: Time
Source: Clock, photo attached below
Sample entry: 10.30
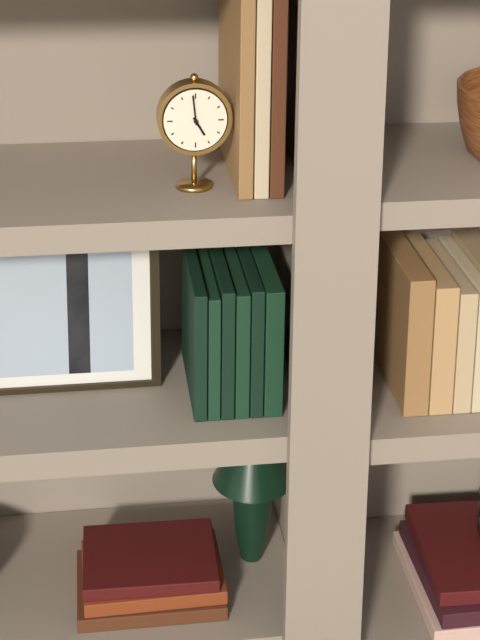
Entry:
4.59
